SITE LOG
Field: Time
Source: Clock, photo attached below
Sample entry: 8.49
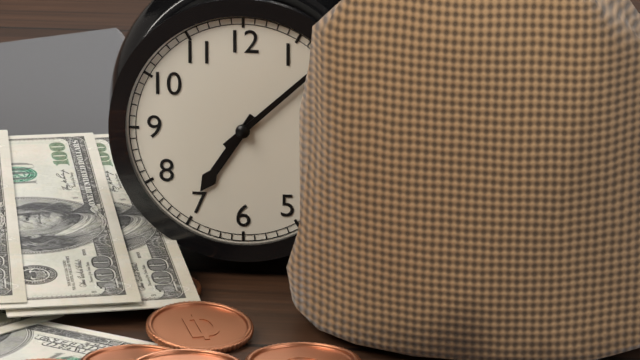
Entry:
7.08
